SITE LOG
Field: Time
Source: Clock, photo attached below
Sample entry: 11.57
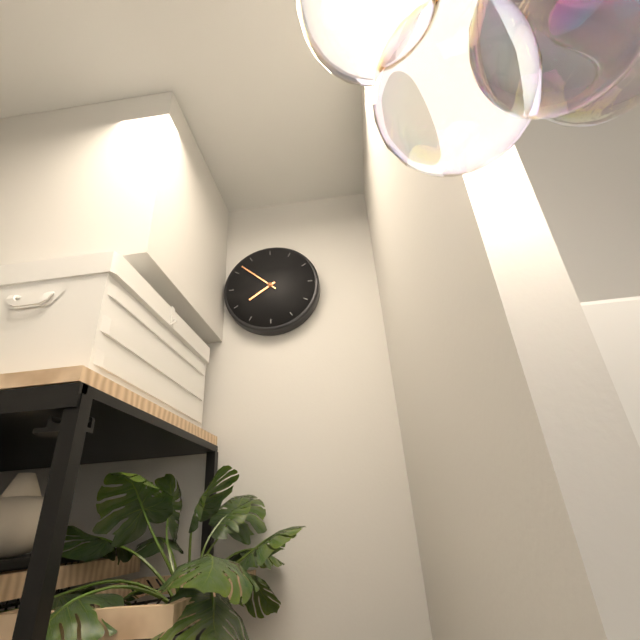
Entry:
7.52
